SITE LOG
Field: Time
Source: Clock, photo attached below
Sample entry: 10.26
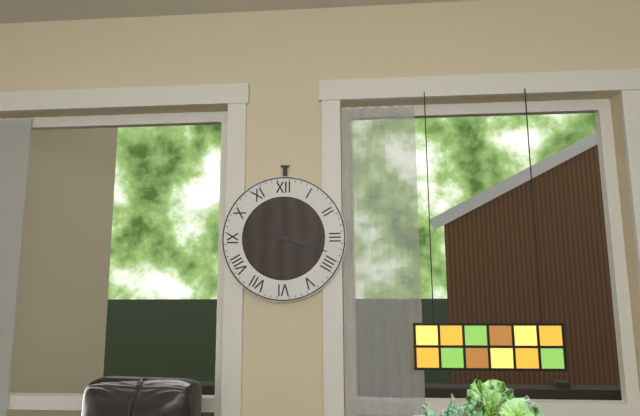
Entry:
3.18
